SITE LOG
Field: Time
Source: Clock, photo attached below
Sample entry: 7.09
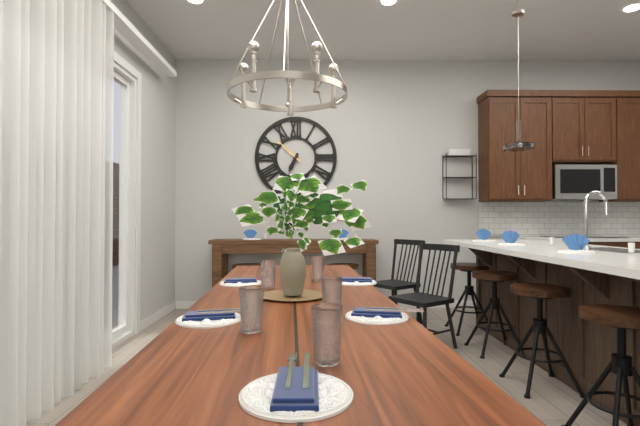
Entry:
6.52
